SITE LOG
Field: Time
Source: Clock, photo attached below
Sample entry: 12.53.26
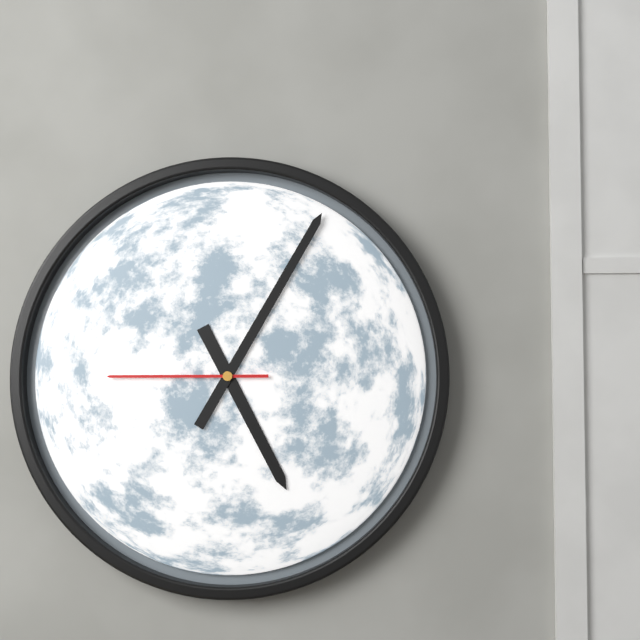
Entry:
5.05.45
